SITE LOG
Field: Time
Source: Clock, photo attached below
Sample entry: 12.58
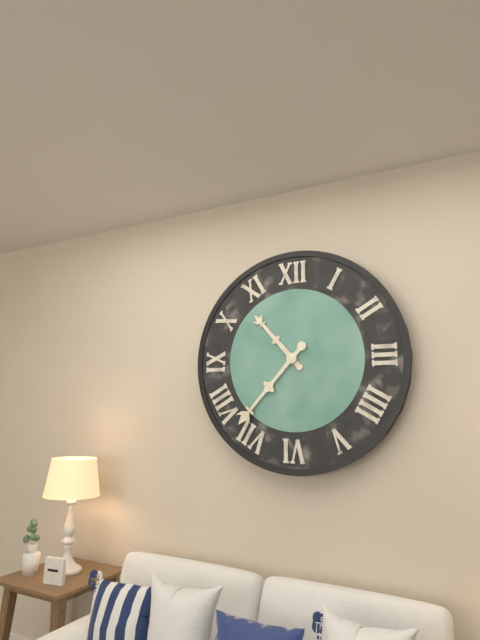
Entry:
10.37
